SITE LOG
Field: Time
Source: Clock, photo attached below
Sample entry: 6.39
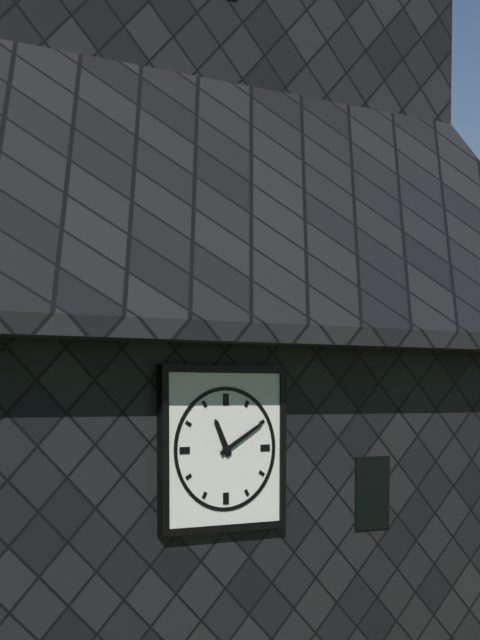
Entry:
11.10
